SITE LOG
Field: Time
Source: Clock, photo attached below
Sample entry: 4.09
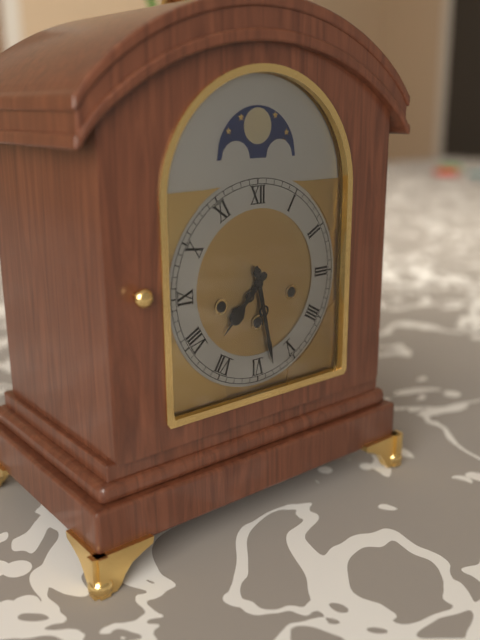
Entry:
7.28
